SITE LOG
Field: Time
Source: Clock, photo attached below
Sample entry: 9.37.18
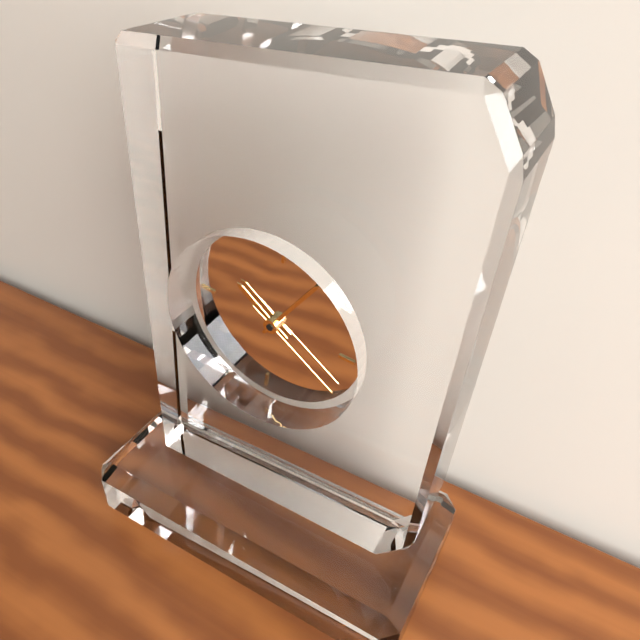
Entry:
10.05.20
